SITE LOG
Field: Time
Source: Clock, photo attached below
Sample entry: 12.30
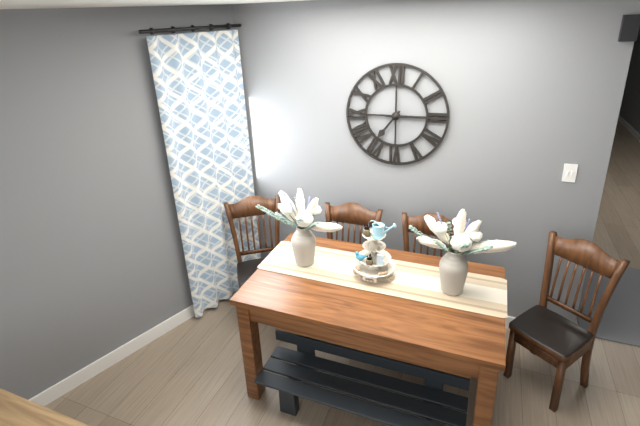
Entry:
7.15
